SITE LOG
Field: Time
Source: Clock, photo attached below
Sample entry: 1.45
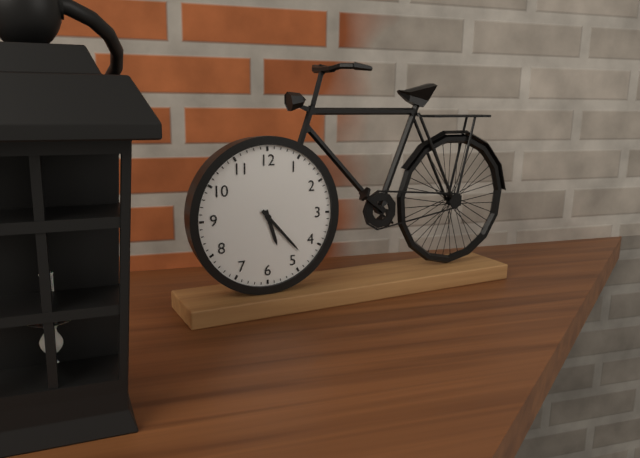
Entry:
5.23
